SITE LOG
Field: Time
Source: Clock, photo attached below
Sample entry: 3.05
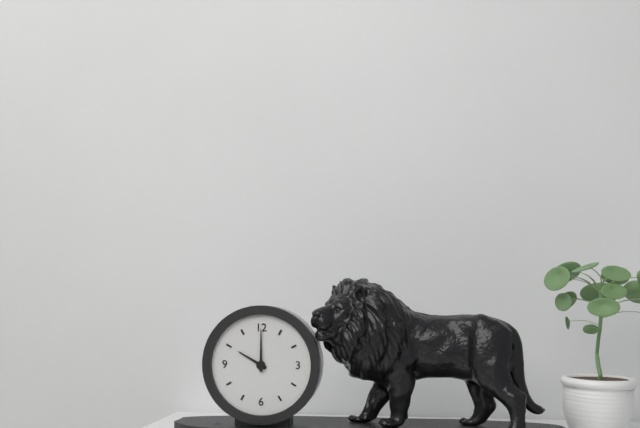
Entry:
10.00
